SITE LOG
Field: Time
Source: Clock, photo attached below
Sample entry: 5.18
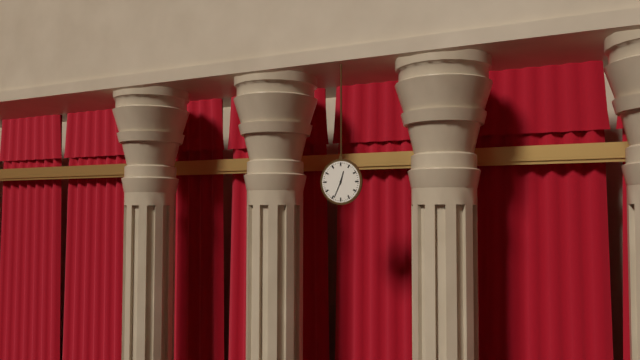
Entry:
12.34
